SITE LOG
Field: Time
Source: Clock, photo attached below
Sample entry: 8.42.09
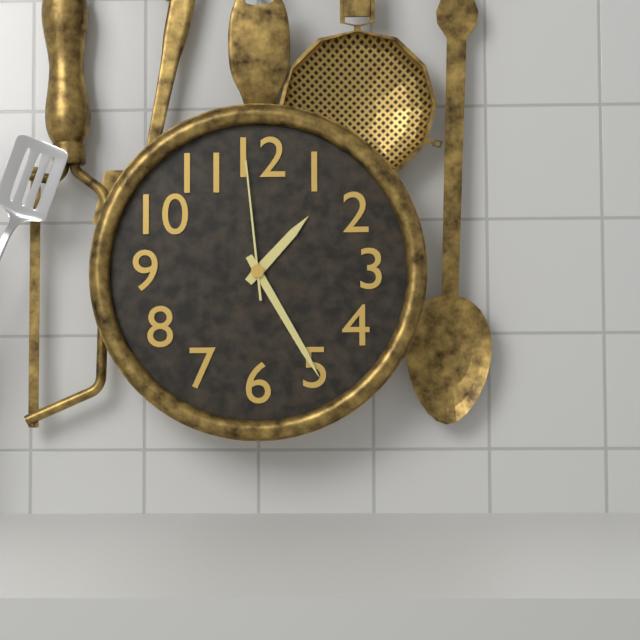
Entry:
1.25.59
